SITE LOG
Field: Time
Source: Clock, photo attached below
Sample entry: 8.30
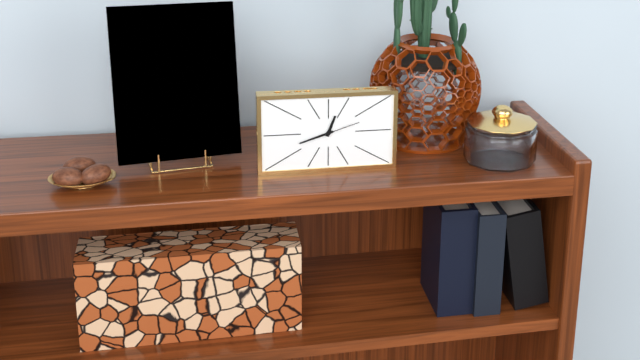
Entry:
12.42
